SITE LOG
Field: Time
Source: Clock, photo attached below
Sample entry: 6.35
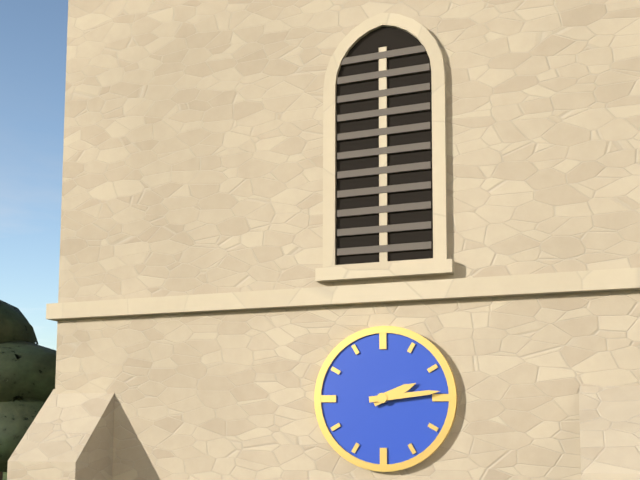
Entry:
2.14
